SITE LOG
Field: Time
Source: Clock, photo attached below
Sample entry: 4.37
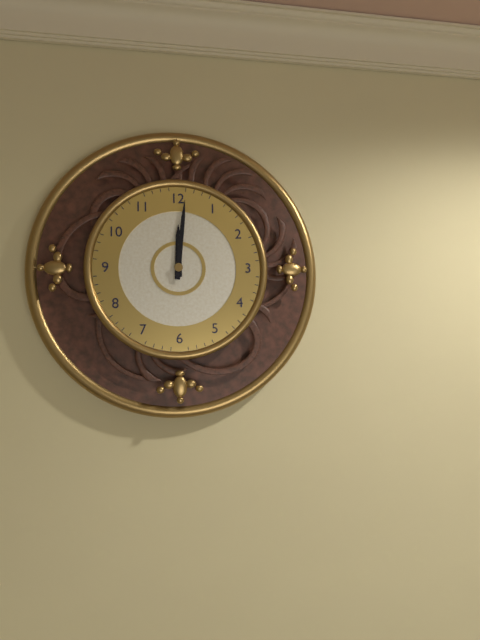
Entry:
12.01
